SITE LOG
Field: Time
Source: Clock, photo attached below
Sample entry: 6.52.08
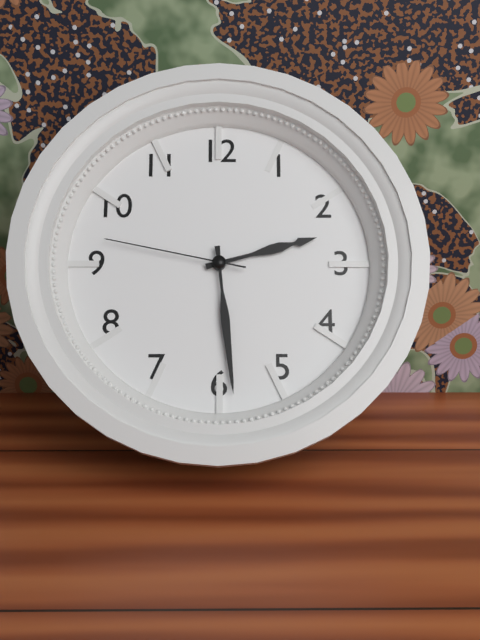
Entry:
2.29.47
